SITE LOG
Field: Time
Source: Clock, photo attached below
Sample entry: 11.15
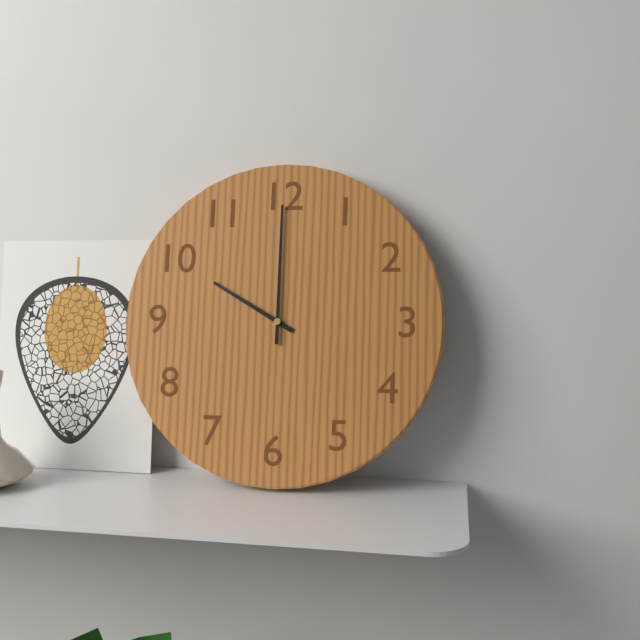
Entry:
10.00
